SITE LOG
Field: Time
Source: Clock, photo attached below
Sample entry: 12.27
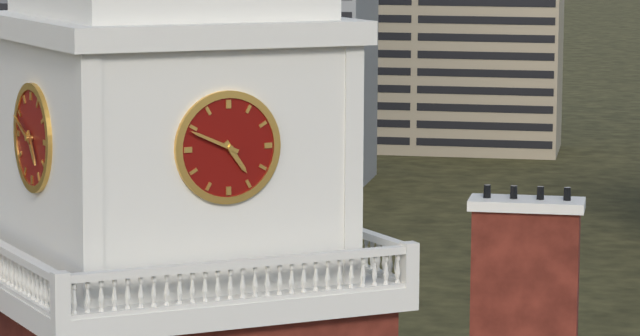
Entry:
4.49
